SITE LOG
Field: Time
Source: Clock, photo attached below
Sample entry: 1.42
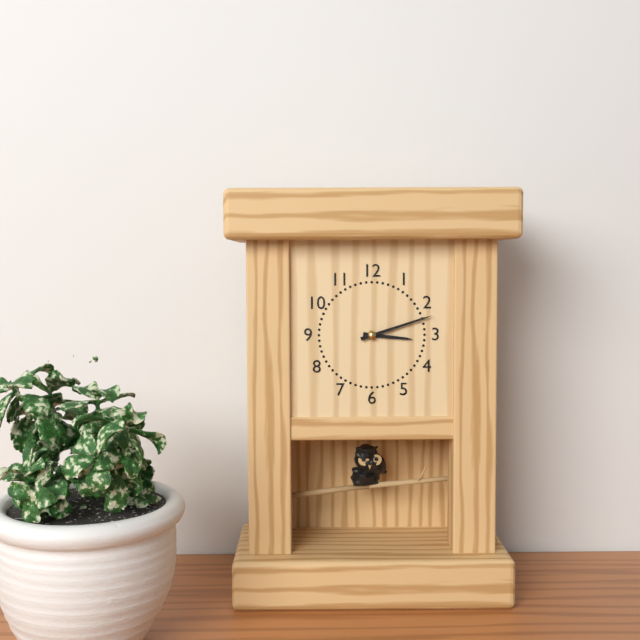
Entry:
3.12
